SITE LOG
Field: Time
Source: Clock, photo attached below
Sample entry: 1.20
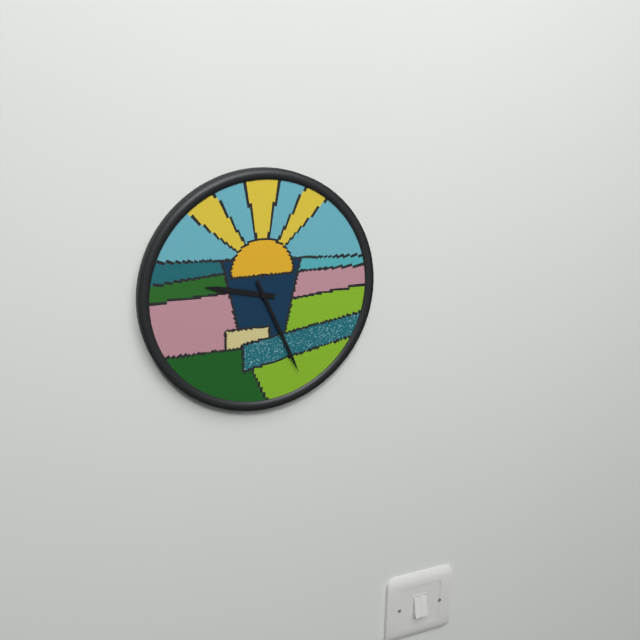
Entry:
9.26
